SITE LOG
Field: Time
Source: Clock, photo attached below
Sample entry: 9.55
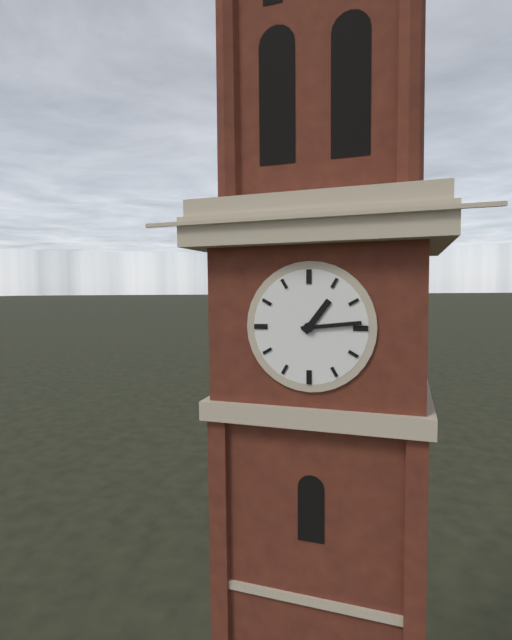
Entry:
1.14
